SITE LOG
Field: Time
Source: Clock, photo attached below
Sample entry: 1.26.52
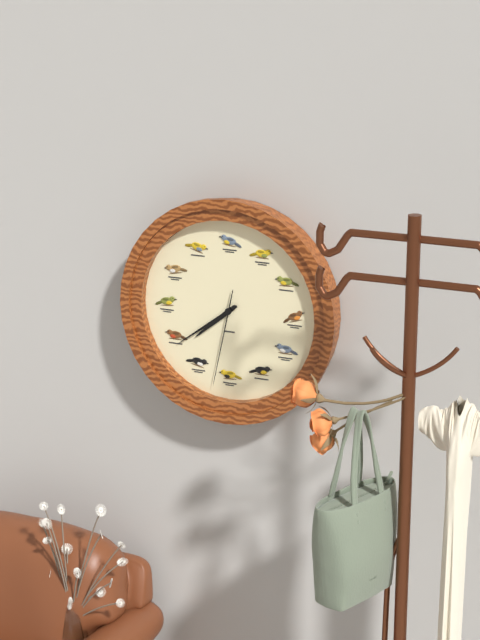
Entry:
7.39.32
